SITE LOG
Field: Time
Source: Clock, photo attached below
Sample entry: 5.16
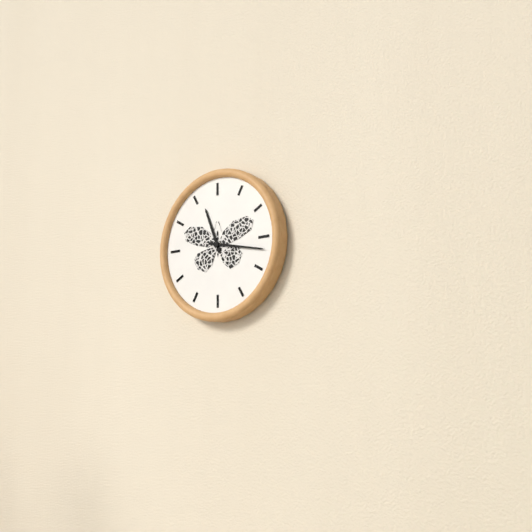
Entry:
11.17
